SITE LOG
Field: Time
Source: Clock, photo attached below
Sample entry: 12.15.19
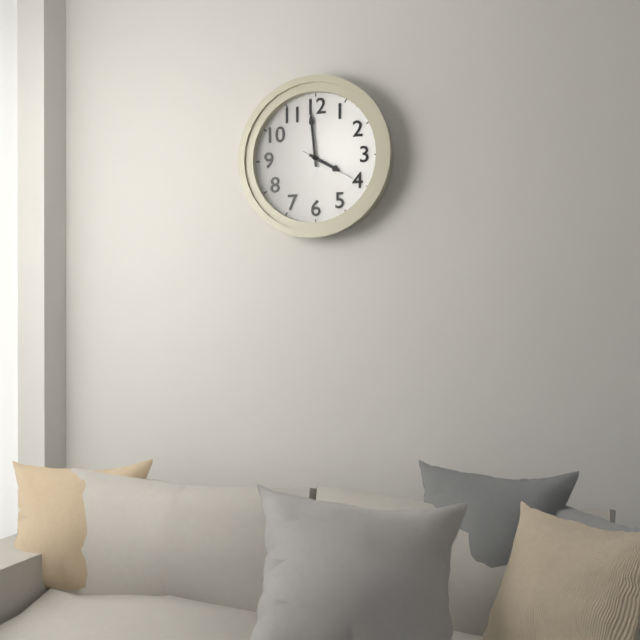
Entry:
3.59.20
